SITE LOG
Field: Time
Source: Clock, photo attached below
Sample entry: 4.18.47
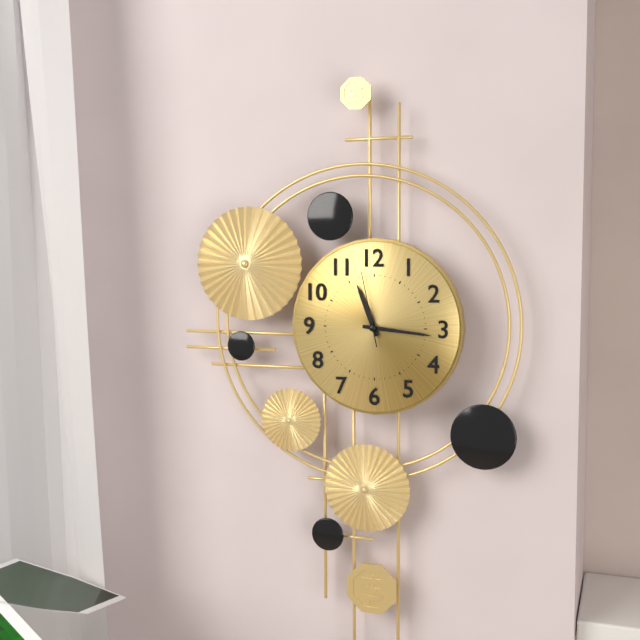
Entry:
11.16.58
